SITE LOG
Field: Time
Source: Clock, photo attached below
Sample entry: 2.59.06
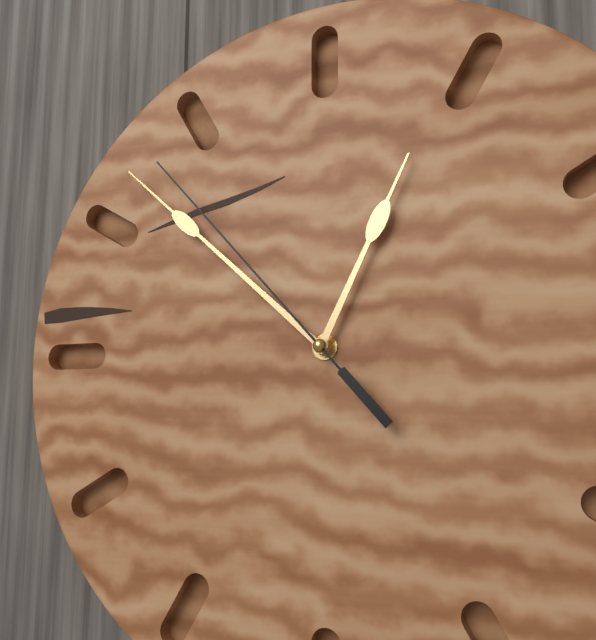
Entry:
12.52.53
